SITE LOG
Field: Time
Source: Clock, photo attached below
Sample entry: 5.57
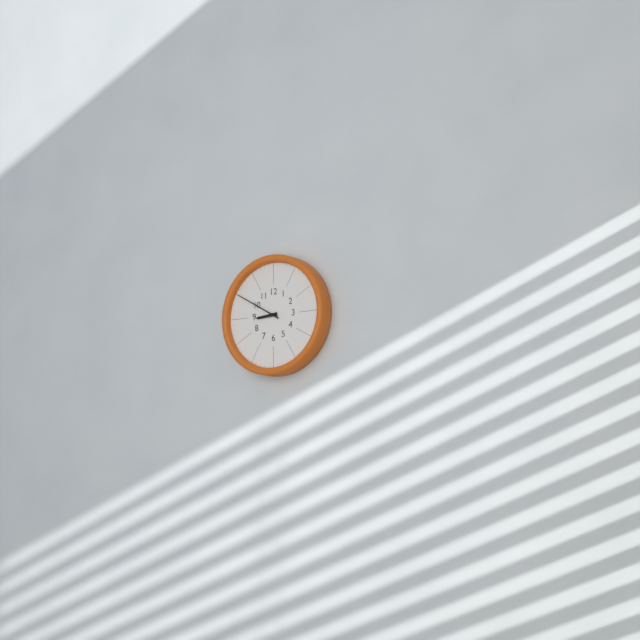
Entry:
8.50
